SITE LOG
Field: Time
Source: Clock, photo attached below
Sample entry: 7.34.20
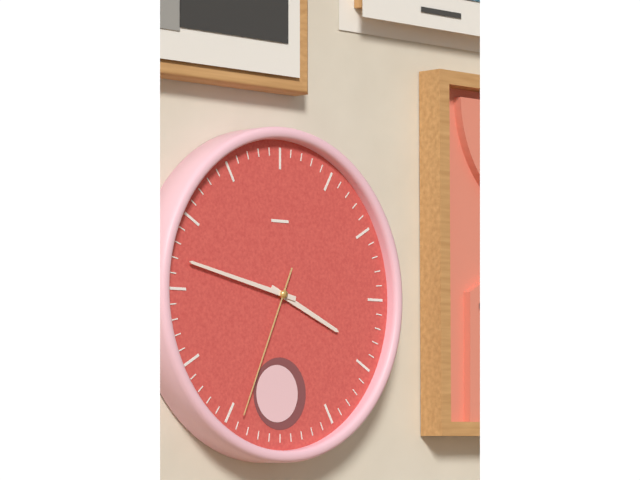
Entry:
3.47.34
